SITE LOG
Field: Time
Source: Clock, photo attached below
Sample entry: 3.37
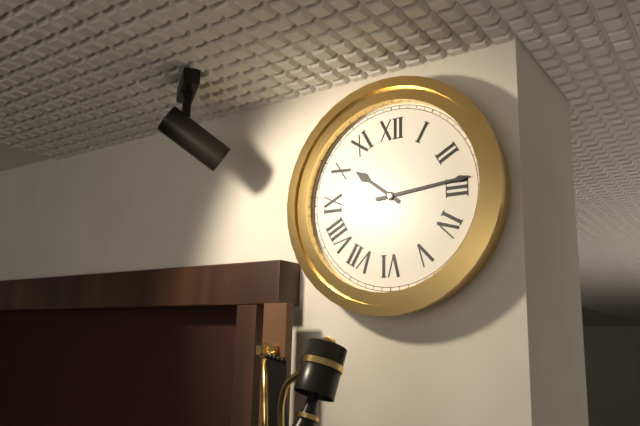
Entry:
10.14
